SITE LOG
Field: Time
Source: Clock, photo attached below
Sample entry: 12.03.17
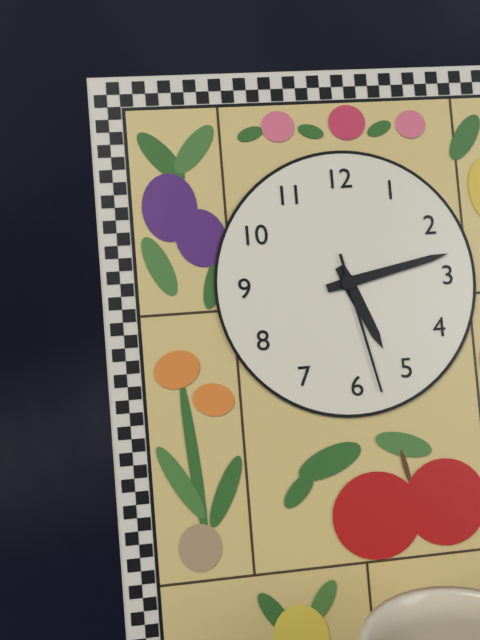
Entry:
5.13.28
